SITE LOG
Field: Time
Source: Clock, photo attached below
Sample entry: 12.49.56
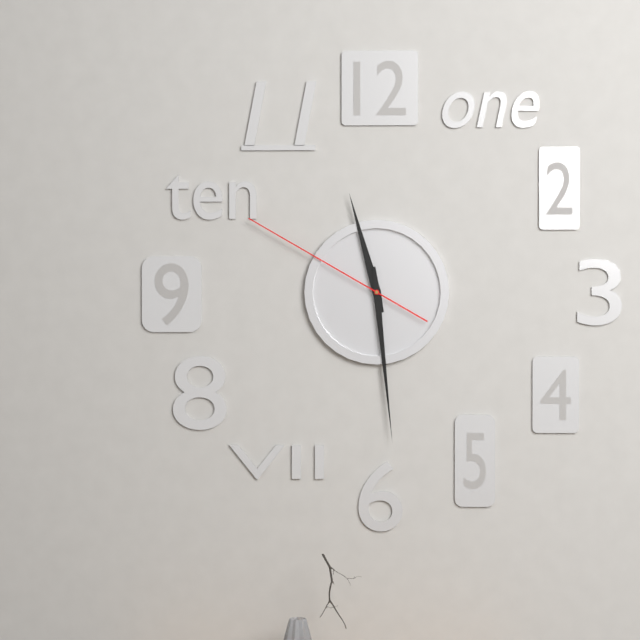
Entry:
11.29.50
